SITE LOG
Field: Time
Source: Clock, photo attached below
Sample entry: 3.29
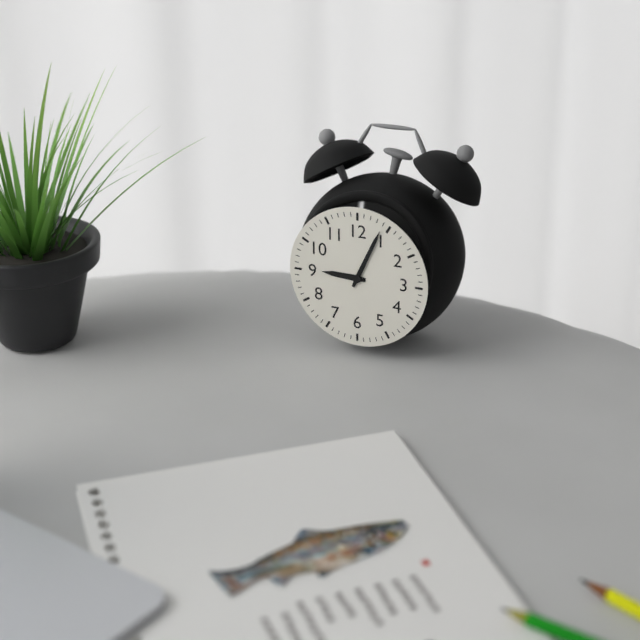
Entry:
9.04
